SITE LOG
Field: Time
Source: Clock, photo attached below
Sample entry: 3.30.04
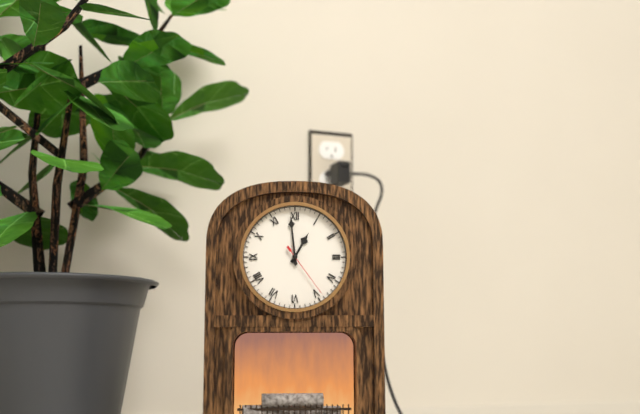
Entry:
12.59.24
